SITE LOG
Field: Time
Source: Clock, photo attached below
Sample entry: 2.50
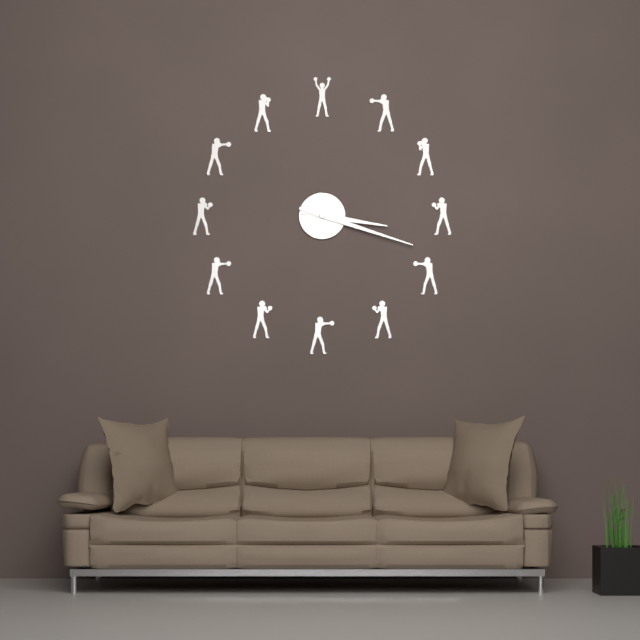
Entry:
3.18
